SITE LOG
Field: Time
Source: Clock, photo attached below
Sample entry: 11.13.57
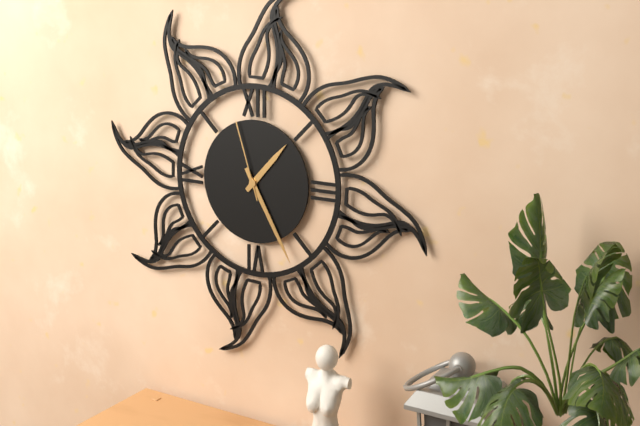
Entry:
1.25.57
